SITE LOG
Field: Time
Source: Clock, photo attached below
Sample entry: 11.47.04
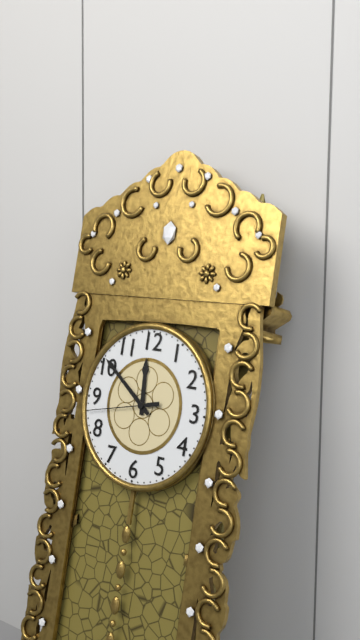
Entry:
11.51.43
